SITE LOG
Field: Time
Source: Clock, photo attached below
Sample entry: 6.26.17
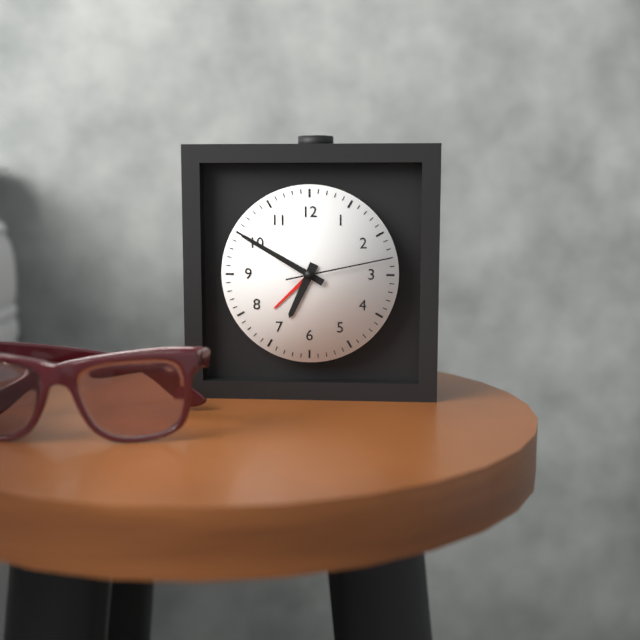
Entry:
6.50.13
